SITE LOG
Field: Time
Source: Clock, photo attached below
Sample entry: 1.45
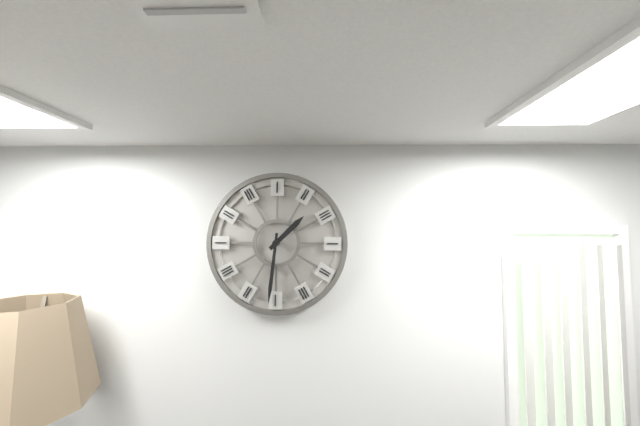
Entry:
1.31
